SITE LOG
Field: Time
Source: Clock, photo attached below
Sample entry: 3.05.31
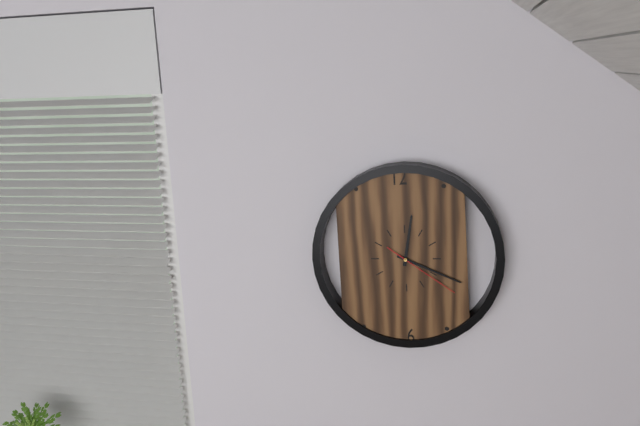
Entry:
12.19.21
